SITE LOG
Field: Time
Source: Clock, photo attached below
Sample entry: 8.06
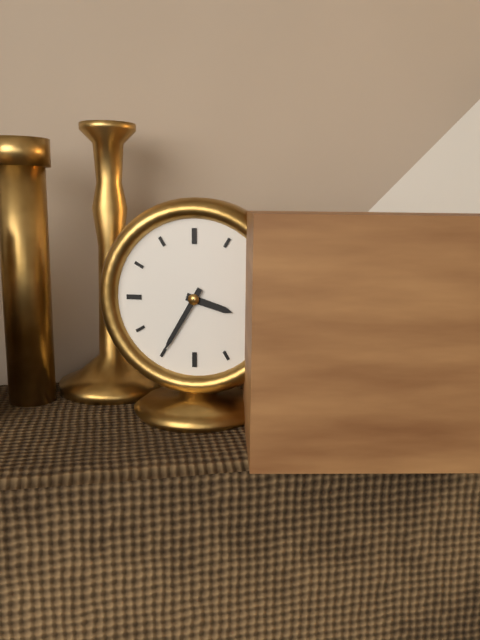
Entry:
3.35
